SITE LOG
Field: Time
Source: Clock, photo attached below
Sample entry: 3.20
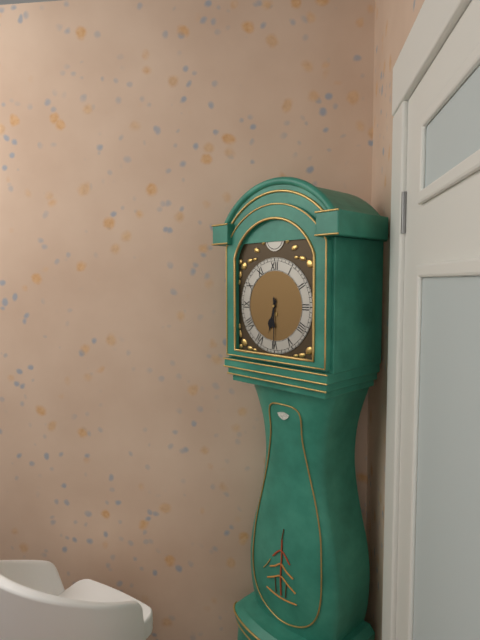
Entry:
6.30
